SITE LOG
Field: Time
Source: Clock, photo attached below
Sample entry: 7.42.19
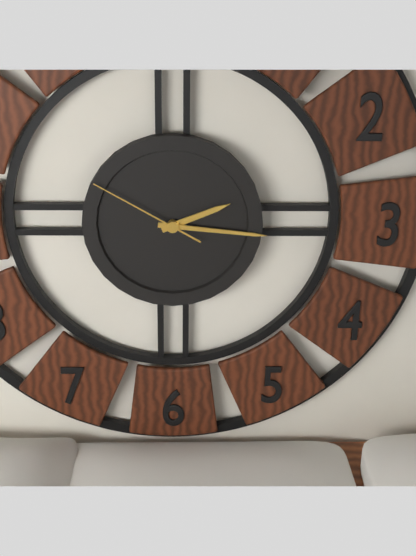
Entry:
2.16.50
